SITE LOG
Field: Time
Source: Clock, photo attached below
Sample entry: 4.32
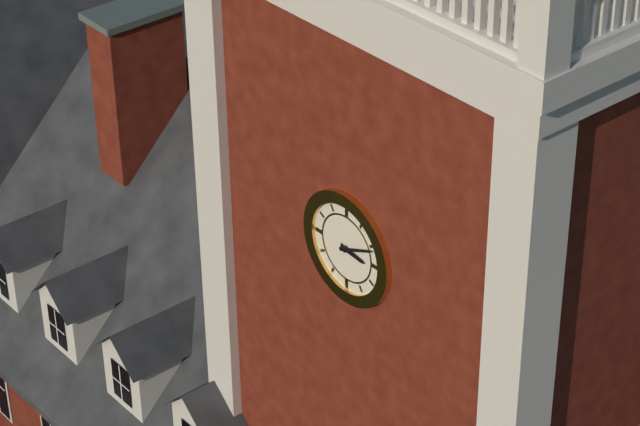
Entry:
3.11
